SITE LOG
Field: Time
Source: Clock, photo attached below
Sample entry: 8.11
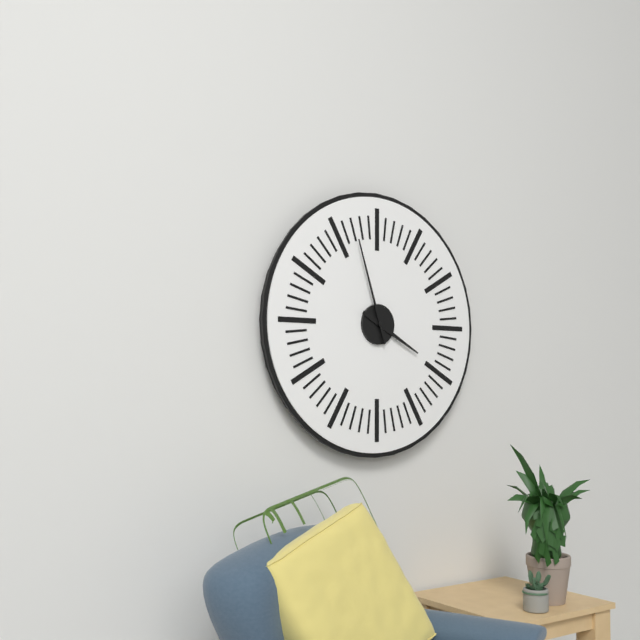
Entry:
3.57
